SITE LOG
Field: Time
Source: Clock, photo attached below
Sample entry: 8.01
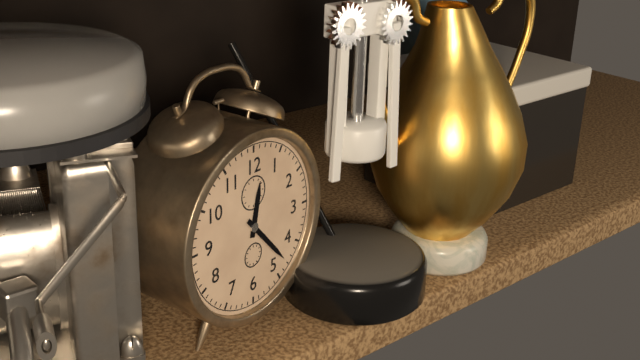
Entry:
12.23
